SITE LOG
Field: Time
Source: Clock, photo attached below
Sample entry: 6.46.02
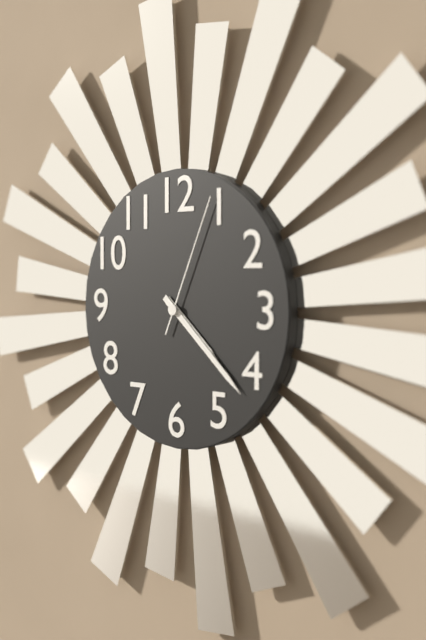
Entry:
4.22.04
